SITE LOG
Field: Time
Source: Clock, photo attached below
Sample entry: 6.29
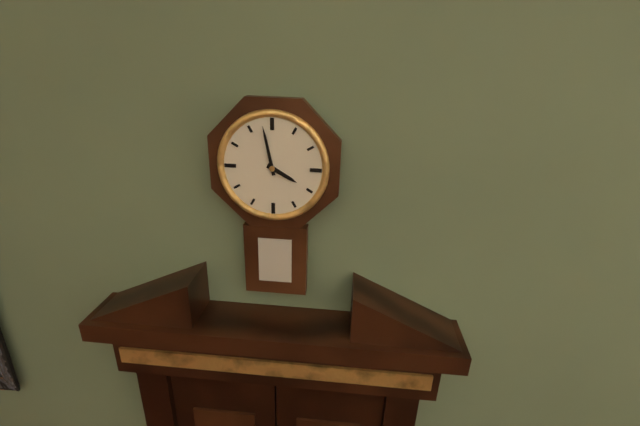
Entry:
3.58
